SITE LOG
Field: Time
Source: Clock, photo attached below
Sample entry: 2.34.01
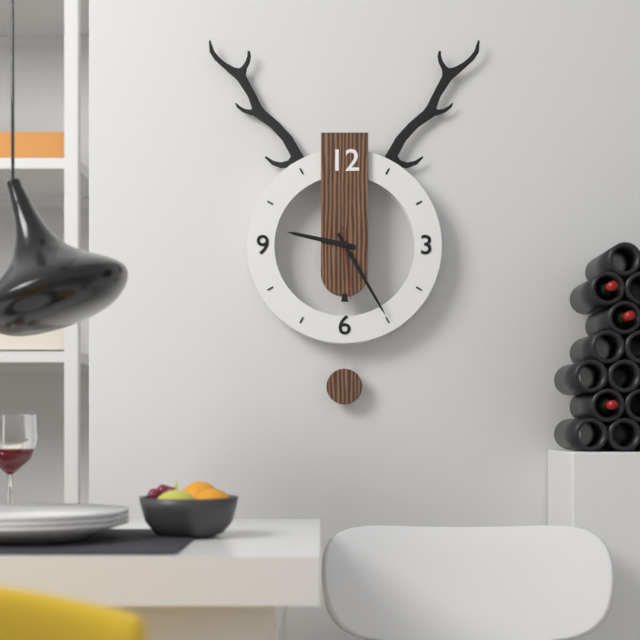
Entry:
9.25.29
